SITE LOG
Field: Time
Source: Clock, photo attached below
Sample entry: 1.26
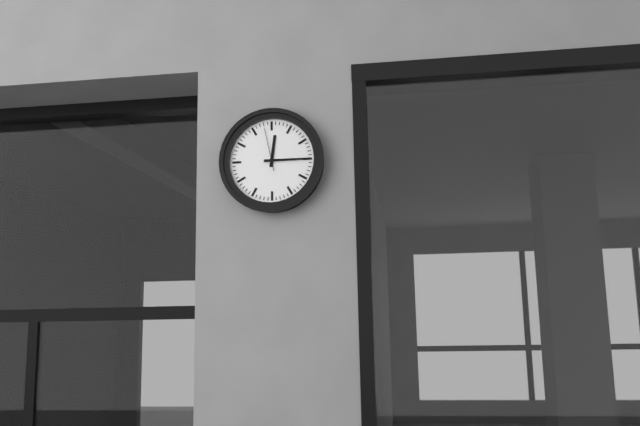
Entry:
12.15
